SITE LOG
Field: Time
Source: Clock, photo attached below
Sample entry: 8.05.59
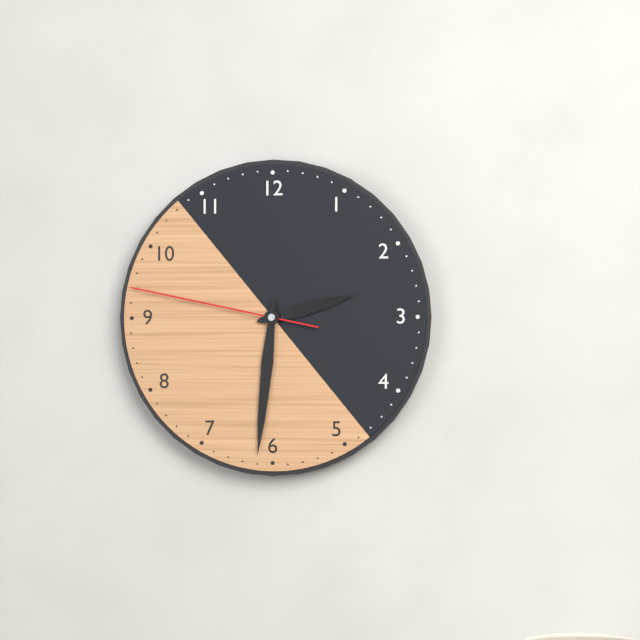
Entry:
2.31.47
